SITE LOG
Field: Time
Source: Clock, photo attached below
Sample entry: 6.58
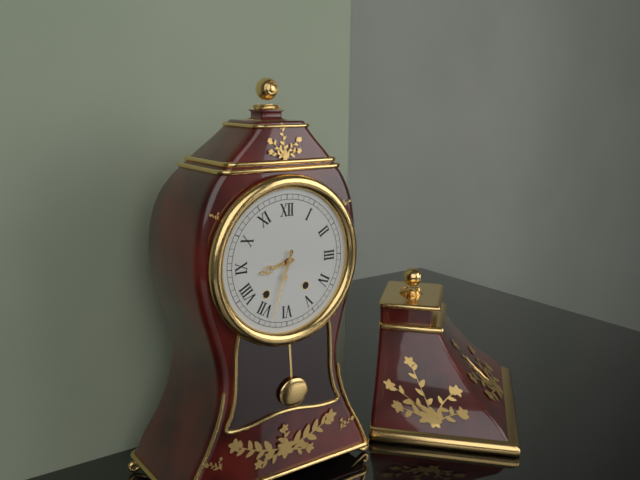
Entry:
8.33
